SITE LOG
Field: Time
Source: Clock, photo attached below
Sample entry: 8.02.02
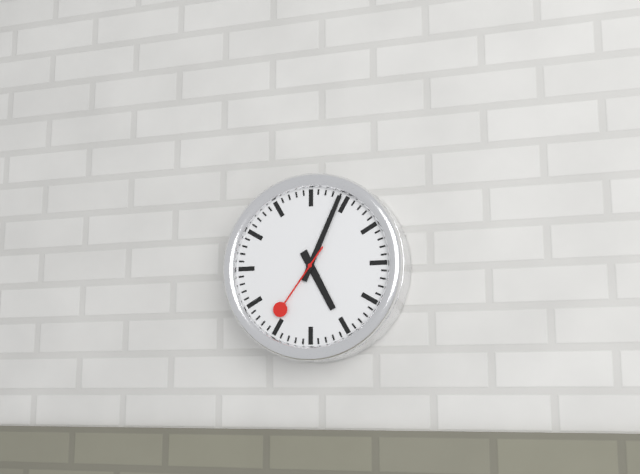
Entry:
5.04.36
